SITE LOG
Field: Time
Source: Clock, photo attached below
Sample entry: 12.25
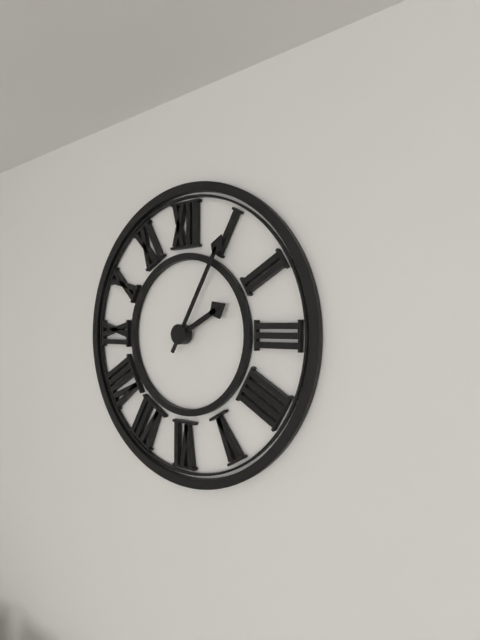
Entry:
2.05
